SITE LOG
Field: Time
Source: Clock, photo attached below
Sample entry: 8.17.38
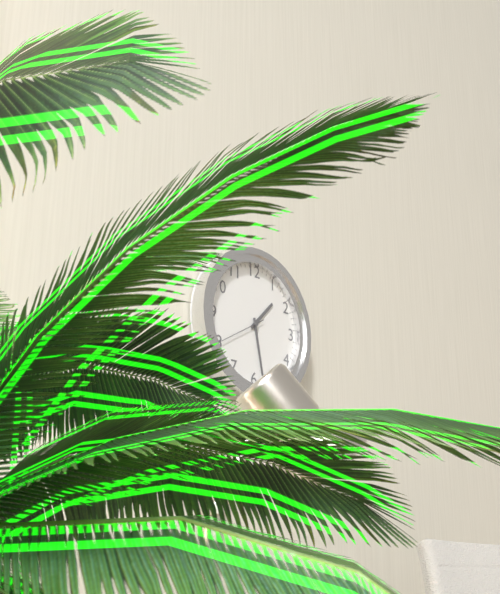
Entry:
1.28.40
